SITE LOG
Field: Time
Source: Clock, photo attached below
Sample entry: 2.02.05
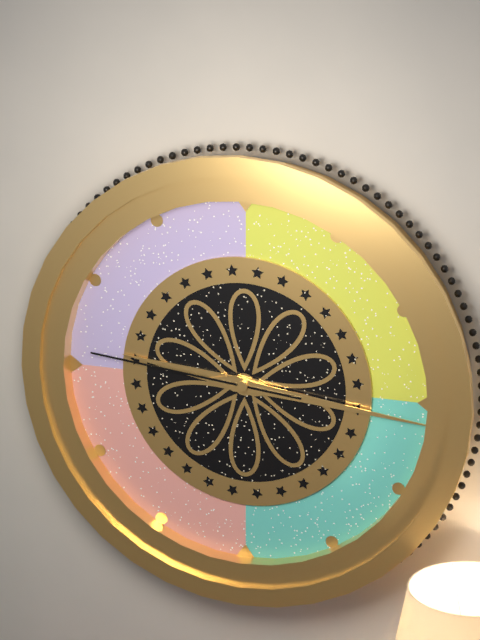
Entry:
9.16.46
